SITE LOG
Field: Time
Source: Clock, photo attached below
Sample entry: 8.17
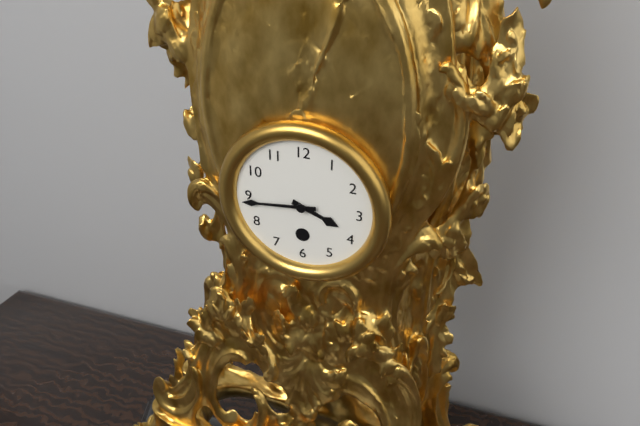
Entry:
3.44
